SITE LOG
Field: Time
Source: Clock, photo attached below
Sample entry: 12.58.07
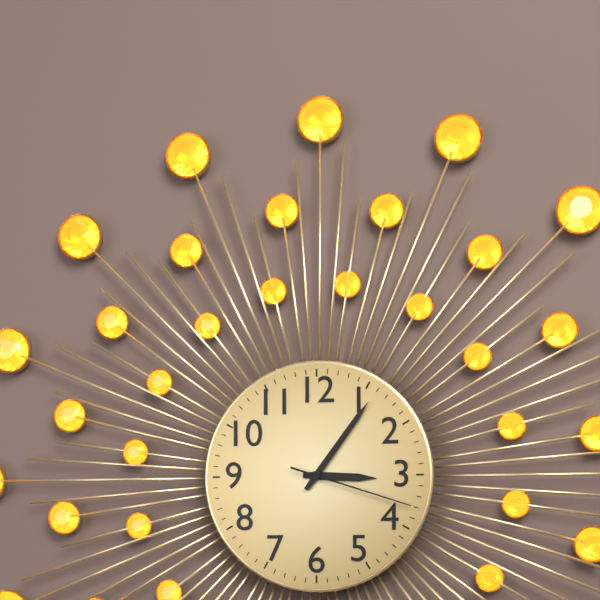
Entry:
3.06.18
